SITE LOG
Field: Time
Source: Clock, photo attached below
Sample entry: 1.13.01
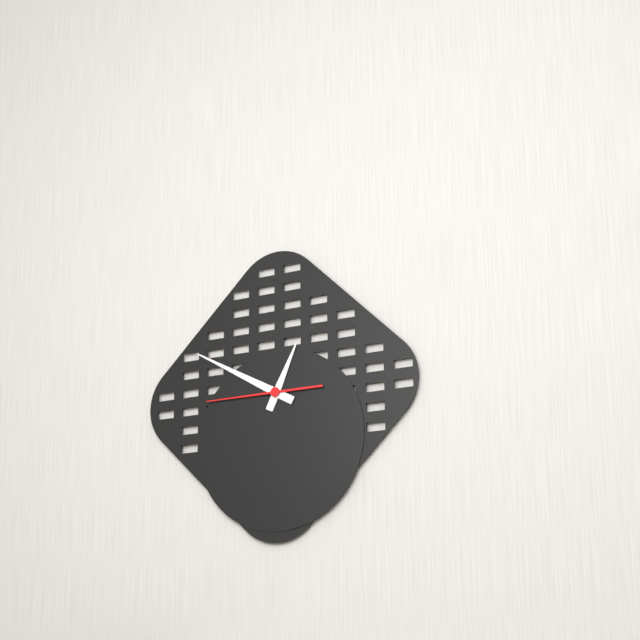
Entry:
12.50.45
